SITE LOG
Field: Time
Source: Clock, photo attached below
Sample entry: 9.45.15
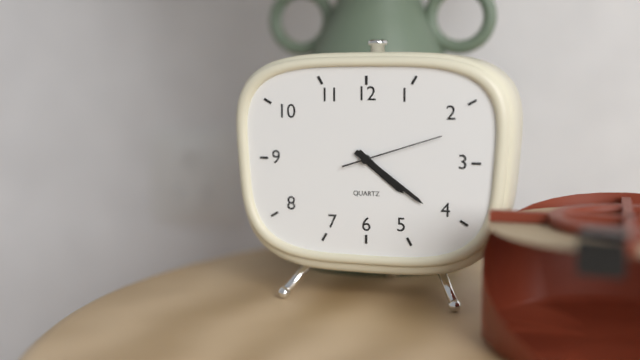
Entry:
4.21.12
